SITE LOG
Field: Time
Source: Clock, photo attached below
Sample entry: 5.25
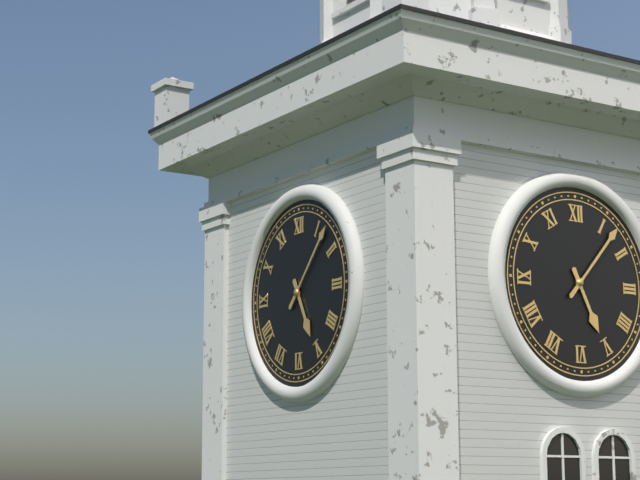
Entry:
5.07
